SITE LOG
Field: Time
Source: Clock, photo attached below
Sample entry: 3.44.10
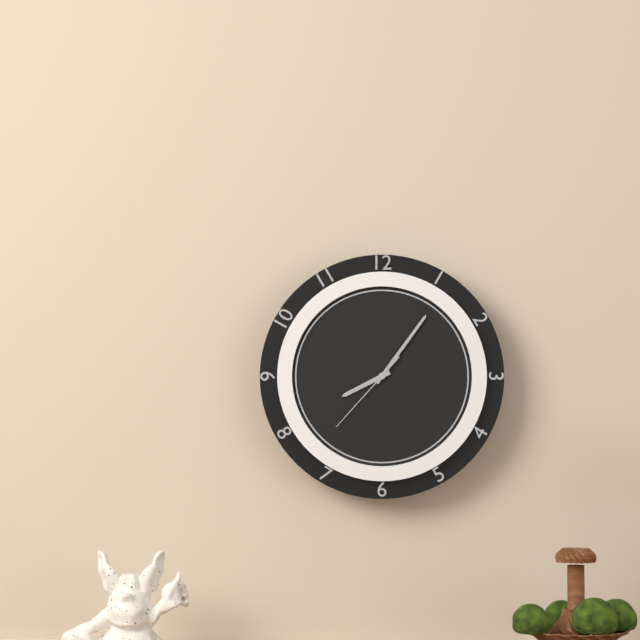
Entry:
8.06.37
